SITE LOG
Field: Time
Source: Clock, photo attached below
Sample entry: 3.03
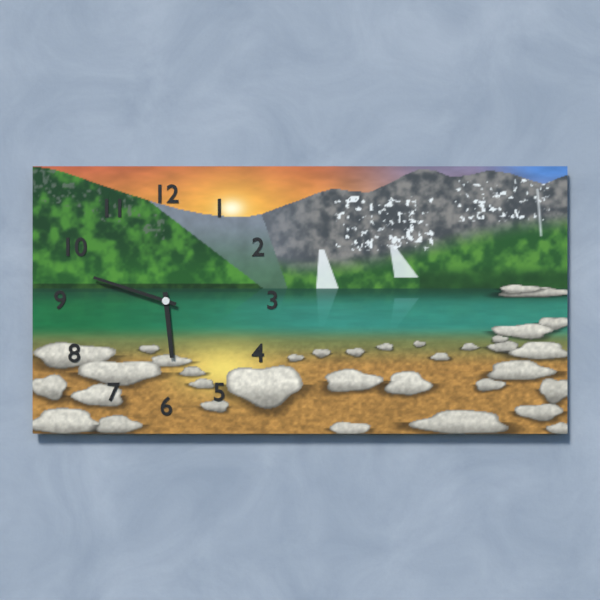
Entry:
5.48
